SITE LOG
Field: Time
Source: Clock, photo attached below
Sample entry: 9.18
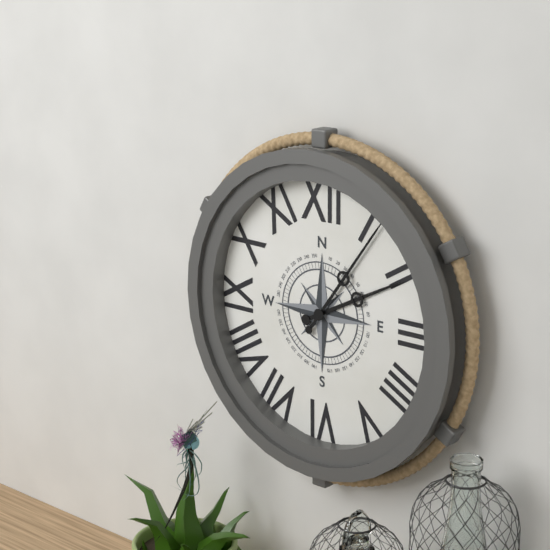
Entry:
2.06
